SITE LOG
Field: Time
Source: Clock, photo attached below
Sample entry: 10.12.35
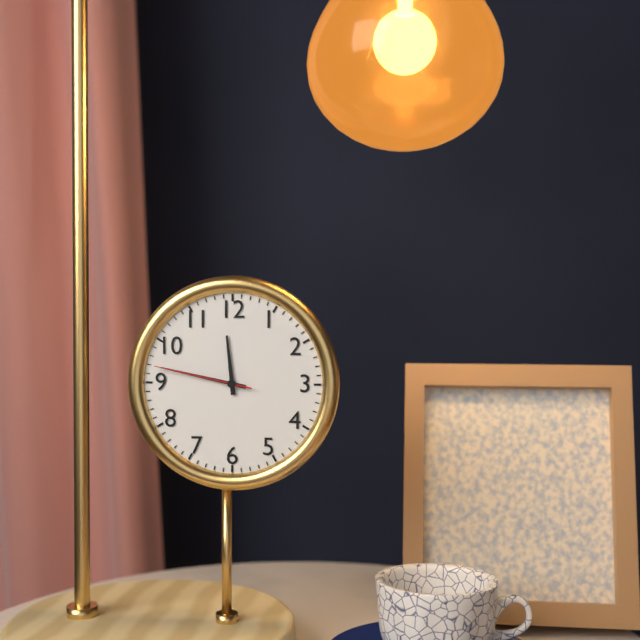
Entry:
11.47.47
